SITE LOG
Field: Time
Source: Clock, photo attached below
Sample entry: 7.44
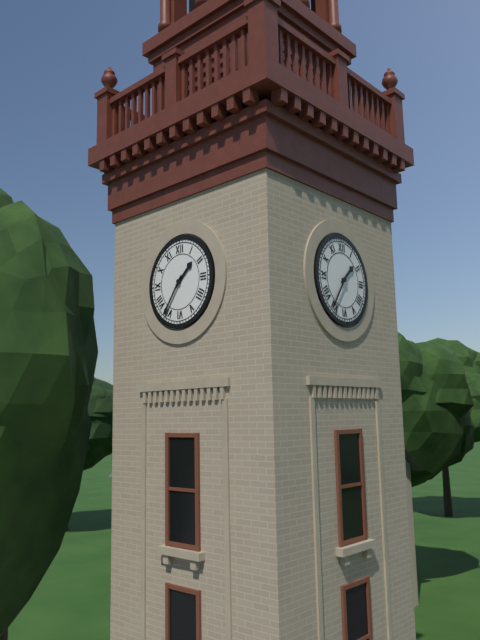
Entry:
1.36
